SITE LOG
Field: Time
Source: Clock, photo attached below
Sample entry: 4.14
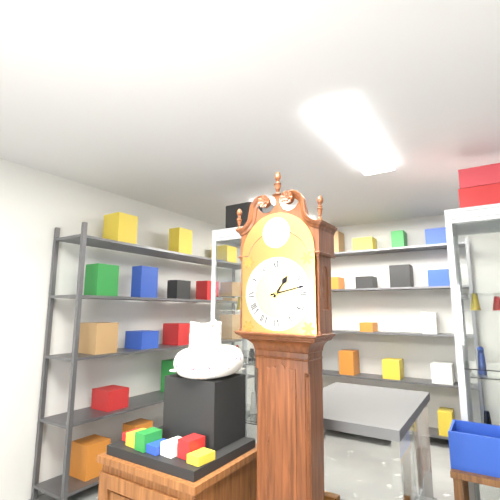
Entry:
1.13
